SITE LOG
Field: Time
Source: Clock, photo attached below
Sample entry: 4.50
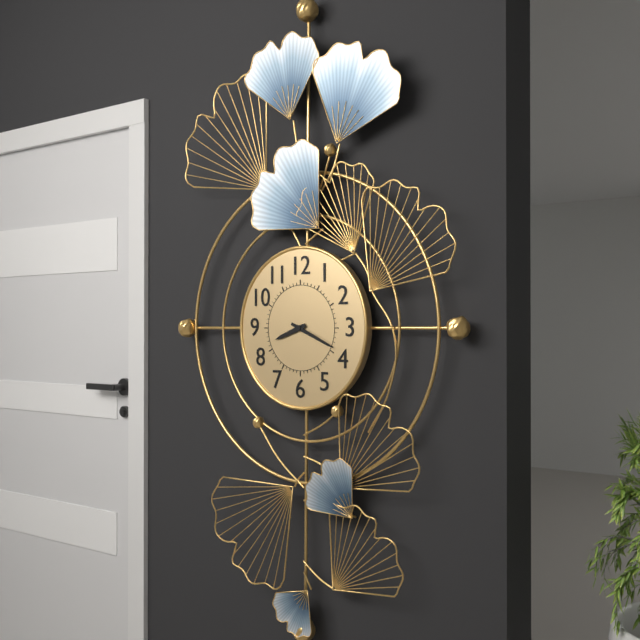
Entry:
8.19
